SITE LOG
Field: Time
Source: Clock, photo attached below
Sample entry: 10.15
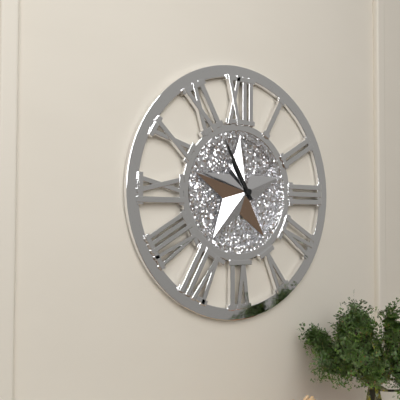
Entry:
10.55
